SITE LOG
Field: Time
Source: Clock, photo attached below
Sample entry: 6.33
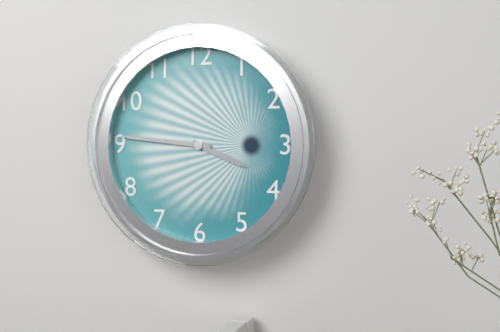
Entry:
3.46
